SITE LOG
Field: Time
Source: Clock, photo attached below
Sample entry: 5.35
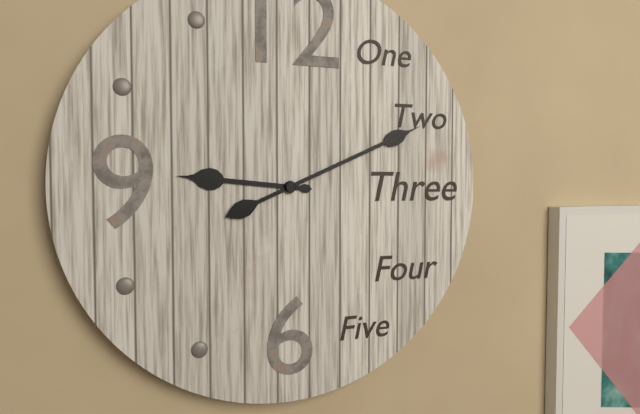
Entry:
9.11
